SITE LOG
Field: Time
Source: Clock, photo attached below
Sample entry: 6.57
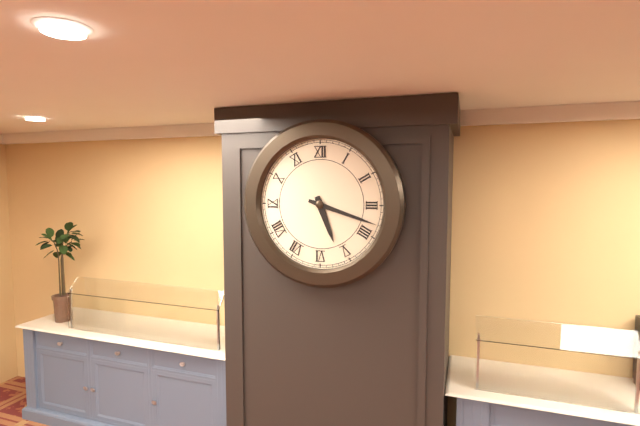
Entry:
5.18
